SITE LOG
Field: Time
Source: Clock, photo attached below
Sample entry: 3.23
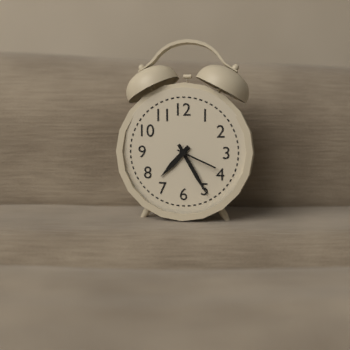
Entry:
7.25
